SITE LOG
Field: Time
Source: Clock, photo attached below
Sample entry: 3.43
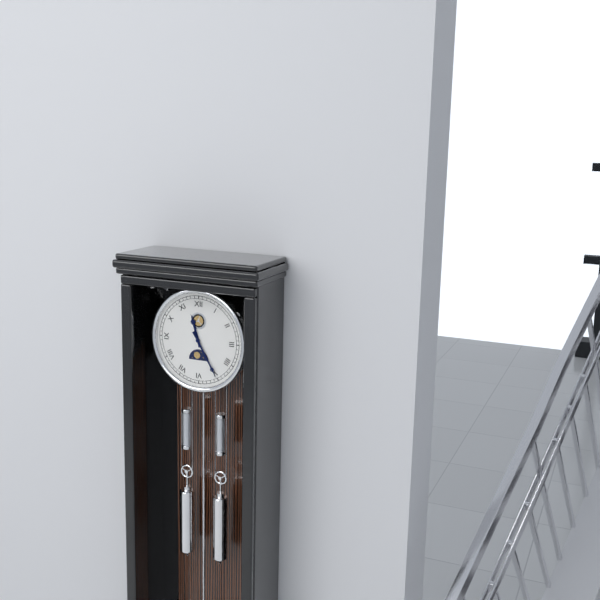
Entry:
11.25
